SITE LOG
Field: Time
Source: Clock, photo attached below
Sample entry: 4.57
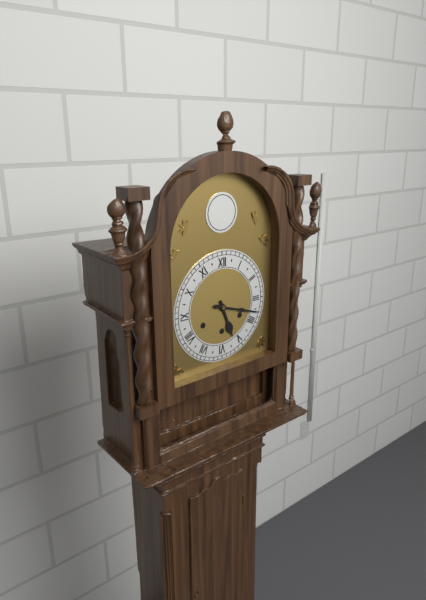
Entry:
5.18
